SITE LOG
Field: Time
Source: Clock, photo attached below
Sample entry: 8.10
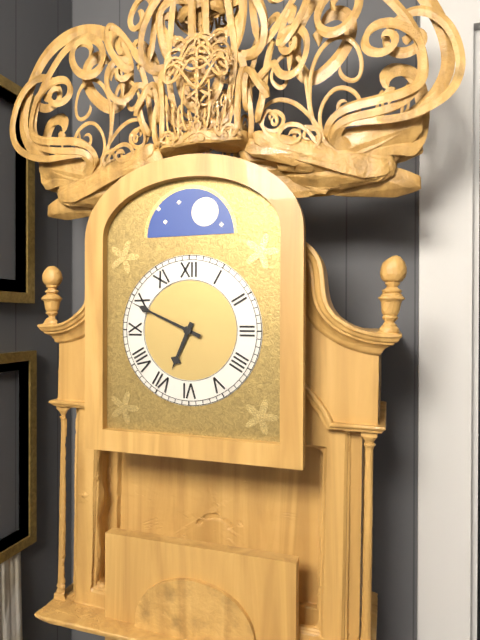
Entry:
6.49
